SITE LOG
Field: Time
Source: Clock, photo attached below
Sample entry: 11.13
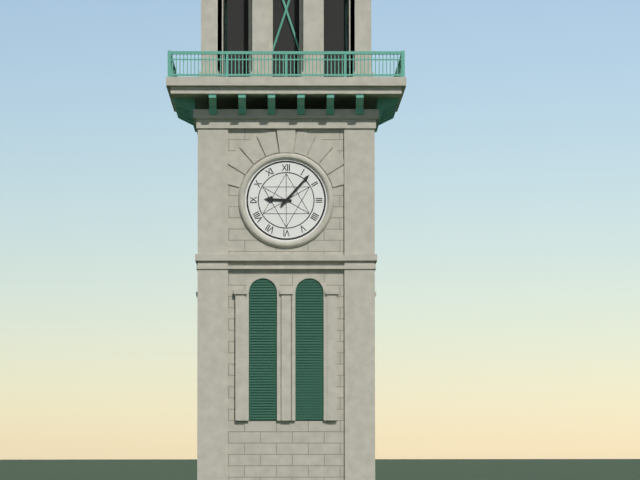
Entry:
9.07
